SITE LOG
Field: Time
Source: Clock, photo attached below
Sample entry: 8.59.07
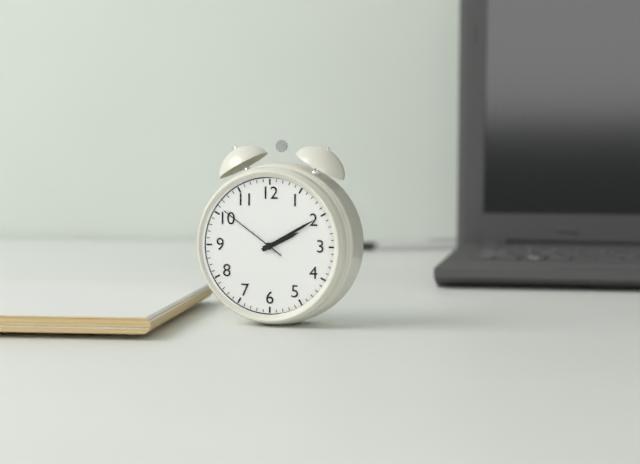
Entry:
2.10.51
